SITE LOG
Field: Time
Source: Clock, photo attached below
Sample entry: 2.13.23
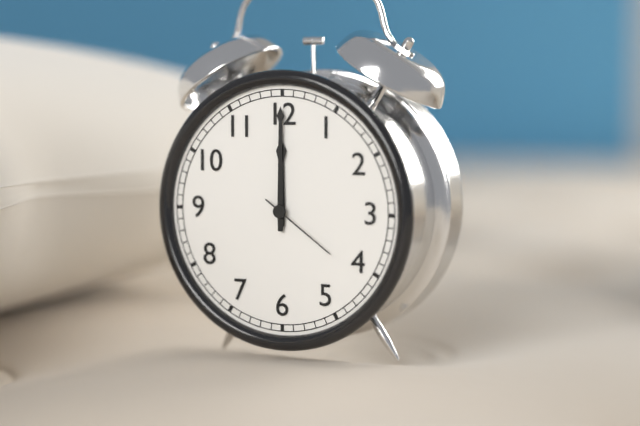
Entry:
12.00.21
